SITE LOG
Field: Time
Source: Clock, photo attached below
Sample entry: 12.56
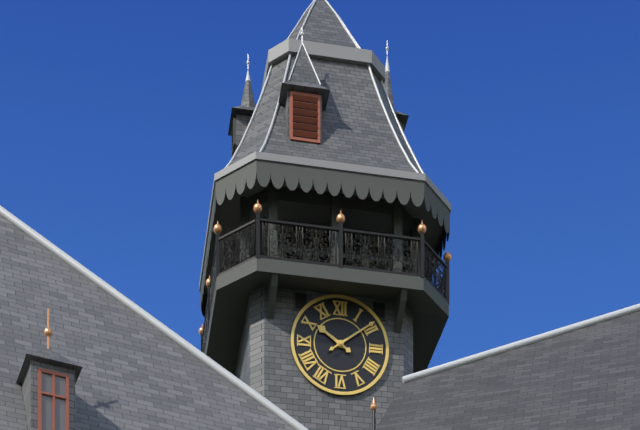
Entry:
10.09
